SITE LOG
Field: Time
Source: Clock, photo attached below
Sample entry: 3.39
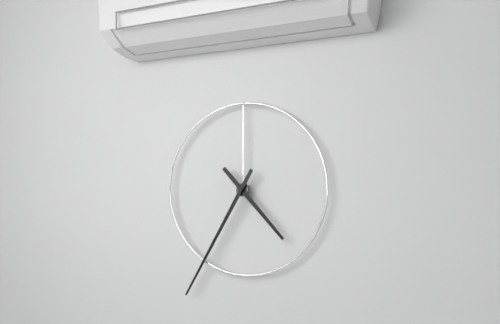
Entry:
4.35
